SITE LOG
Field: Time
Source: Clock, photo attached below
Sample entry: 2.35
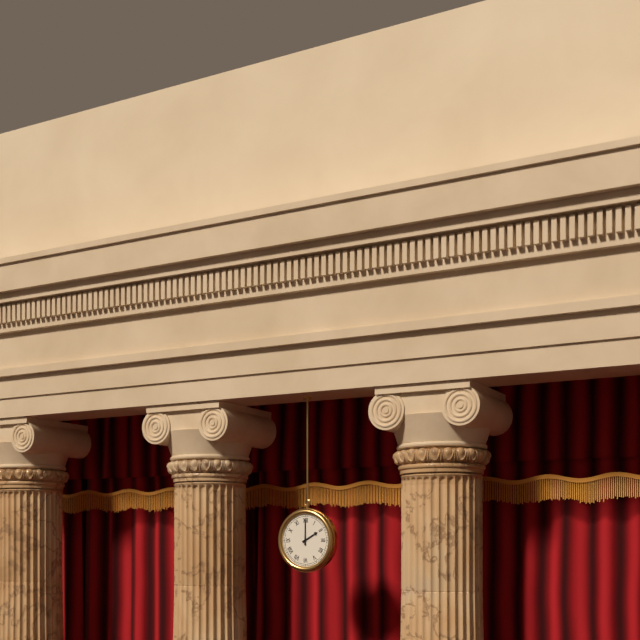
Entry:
2.00
